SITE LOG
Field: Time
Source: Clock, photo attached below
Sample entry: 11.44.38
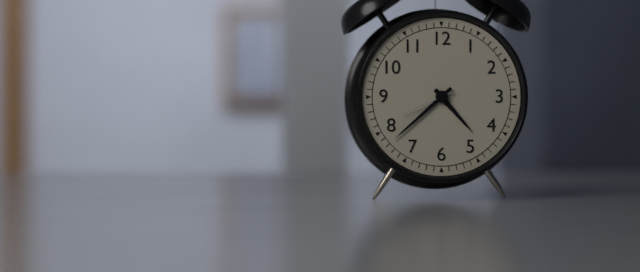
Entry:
4.38.41
